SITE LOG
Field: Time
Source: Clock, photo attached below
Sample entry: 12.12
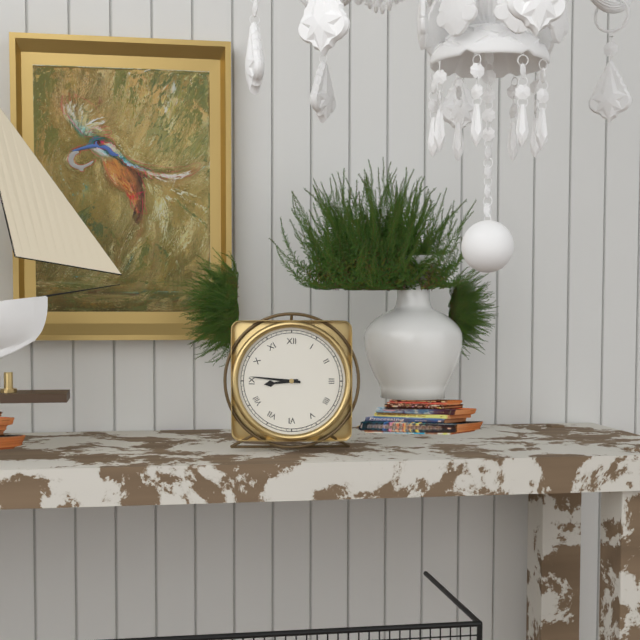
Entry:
8.46
